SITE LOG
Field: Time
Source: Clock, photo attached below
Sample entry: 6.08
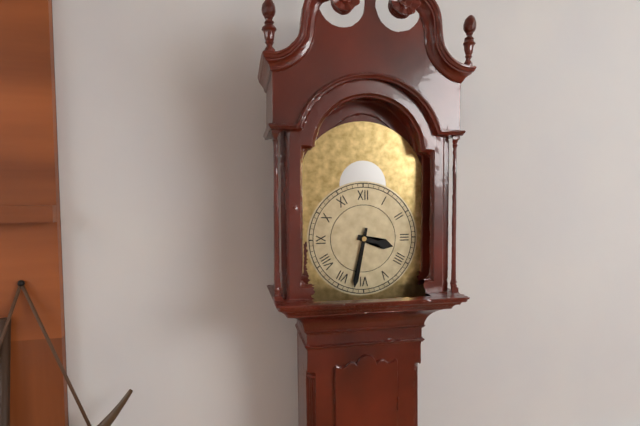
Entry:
3.32
